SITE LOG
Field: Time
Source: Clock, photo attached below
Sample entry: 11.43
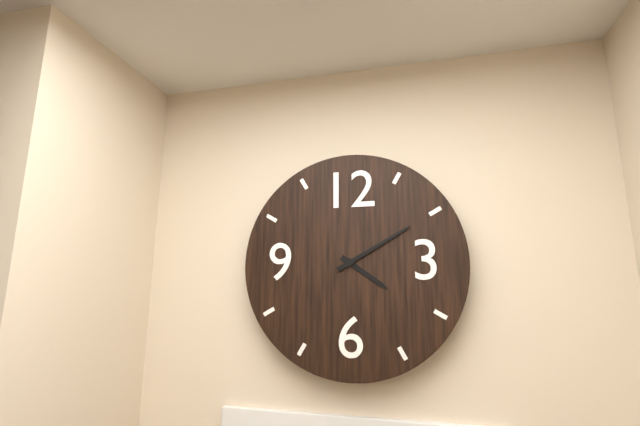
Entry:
4.10
